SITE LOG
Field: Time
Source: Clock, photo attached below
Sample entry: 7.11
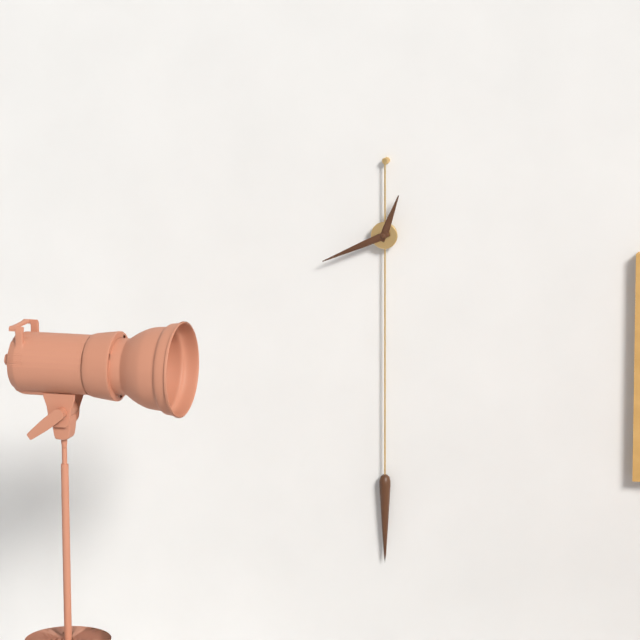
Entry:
12.41
